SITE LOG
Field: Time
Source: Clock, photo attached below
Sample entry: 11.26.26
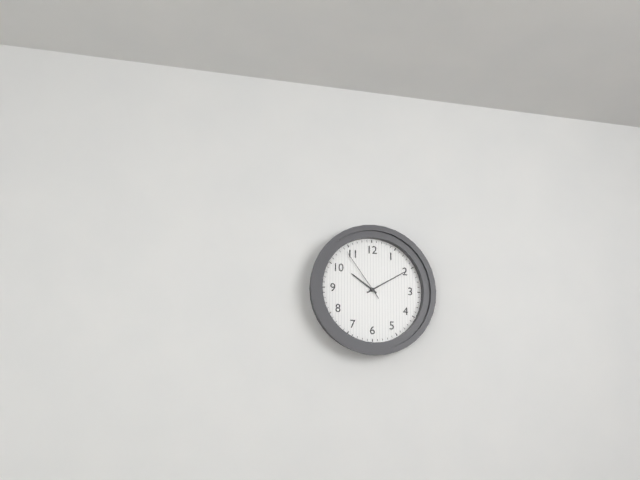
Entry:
10.10.54
